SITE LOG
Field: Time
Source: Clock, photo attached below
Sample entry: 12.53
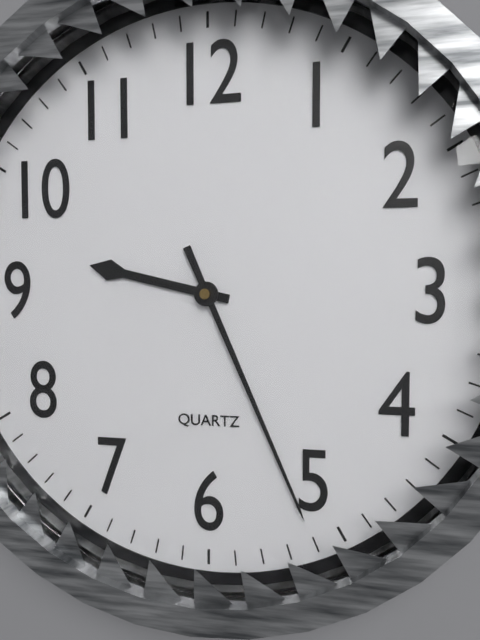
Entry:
9.26
